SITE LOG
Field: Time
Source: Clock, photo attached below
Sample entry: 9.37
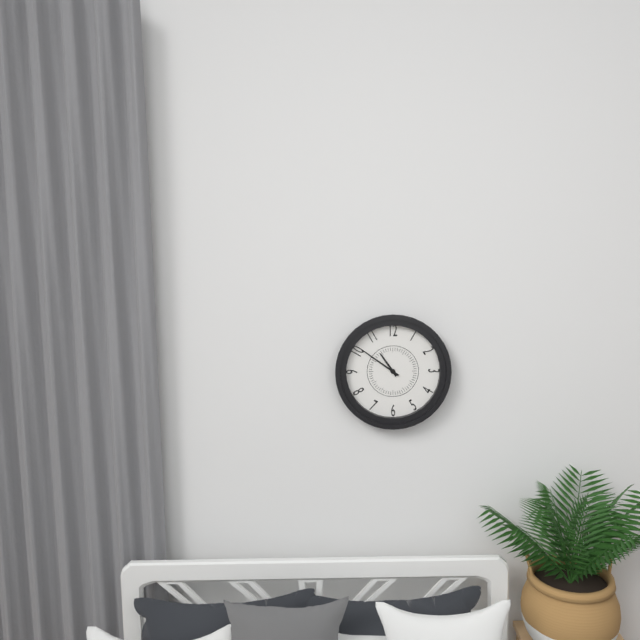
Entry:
10.51
